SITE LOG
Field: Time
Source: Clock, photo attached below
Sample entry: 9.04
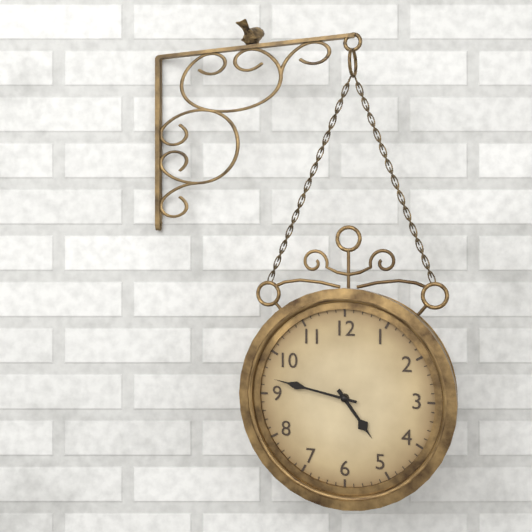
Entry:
4.47
